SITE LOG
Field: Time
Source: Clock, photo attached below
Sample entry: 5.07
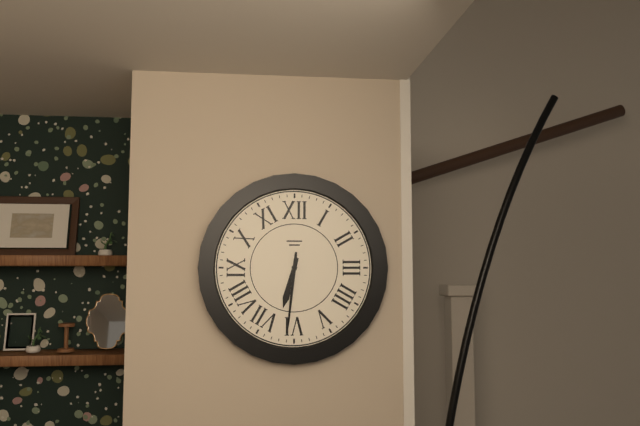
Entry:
6.31
